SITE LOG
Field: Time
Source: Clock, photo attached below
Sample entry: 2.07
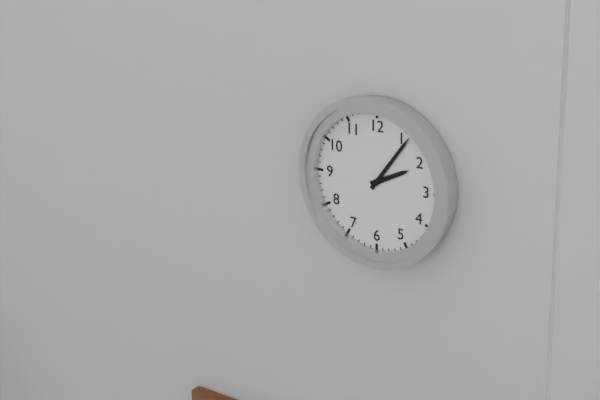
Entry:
2.06
